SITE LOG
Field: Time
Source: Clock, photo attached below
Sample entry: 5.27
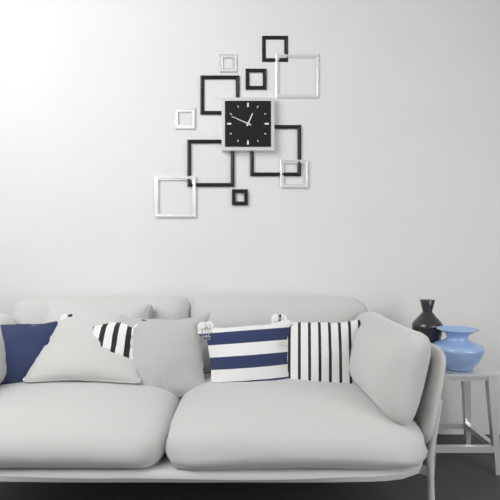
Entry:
12.49
